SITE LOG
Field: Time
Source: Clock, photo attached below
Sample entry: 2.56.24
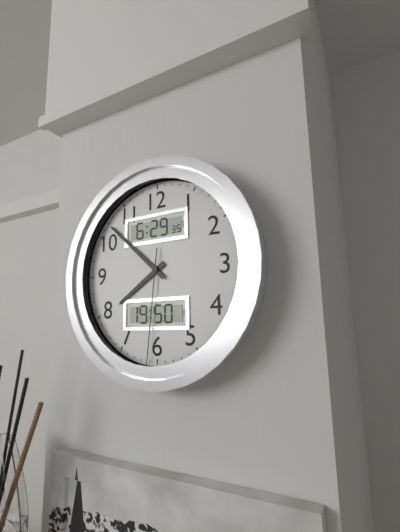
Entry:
7.52.31
